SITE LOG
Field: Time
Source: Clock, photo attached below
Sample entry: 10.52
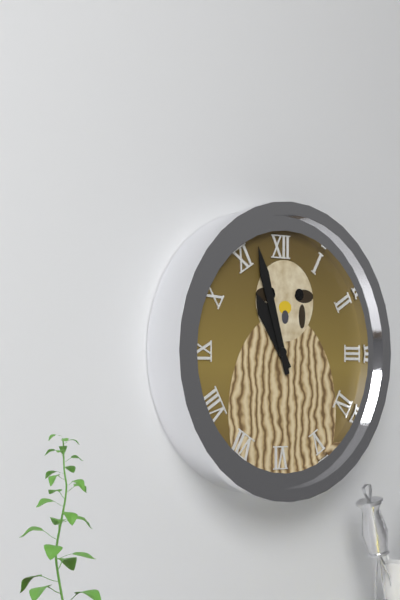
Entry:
10.57
